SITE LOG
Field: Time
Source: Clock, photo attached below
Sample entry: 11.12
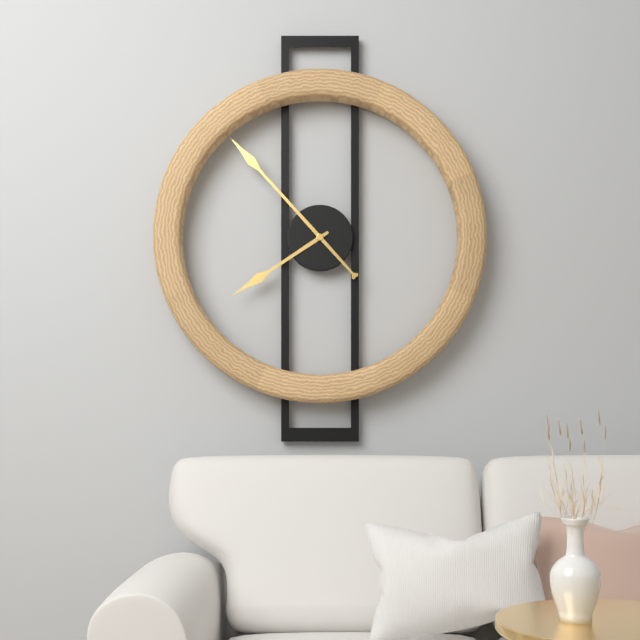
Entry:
7.53
